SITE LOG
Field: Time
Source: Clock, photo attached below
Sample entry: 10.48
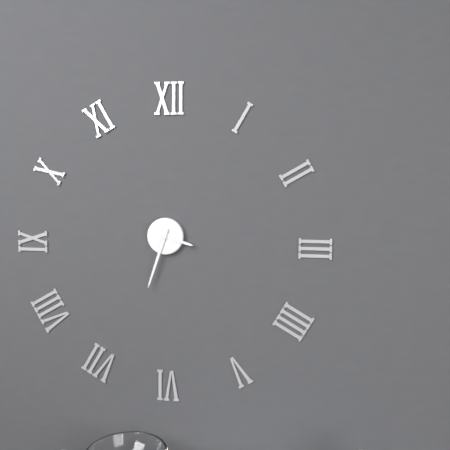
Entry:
3.33
